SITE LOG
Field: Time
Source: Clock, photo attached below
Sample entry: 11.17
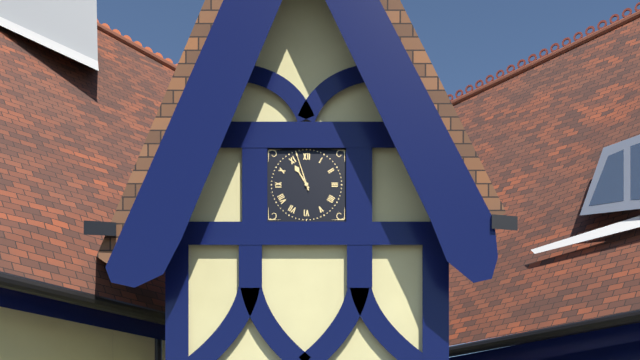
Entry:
10.57
